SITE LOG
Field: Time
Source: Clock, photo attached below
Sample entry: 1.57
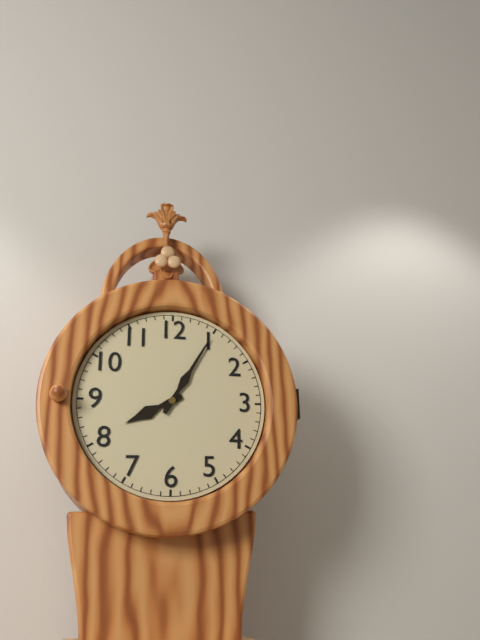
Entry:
8.05
